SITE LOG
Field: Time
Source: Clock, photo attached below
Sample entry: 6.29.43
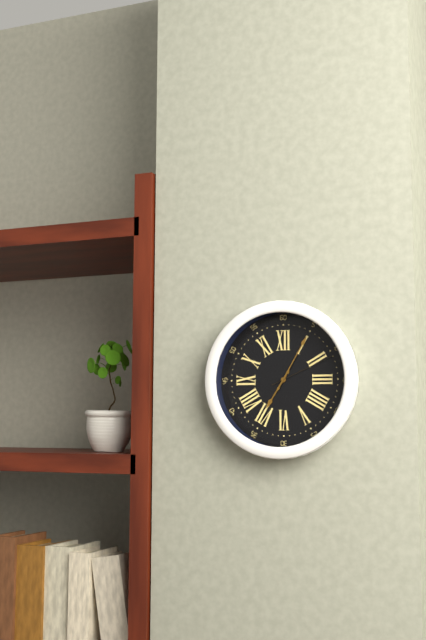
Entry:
7.05.11
